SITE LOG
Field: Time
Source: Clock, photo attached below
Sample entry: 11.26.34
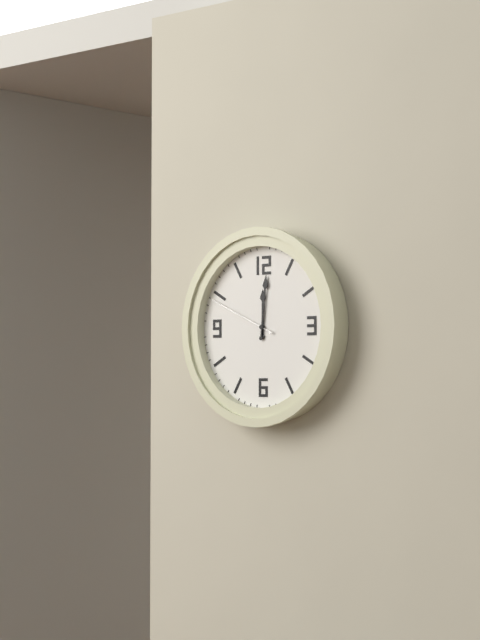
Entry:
12.01.49
